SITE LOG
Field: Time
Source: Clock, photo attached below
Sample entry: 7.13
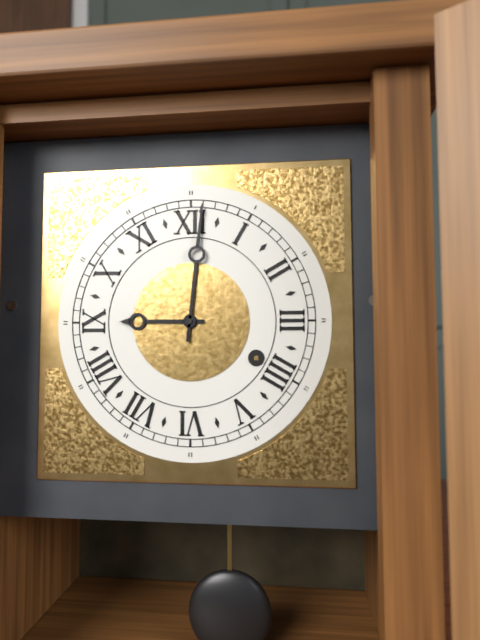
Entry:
9.01
